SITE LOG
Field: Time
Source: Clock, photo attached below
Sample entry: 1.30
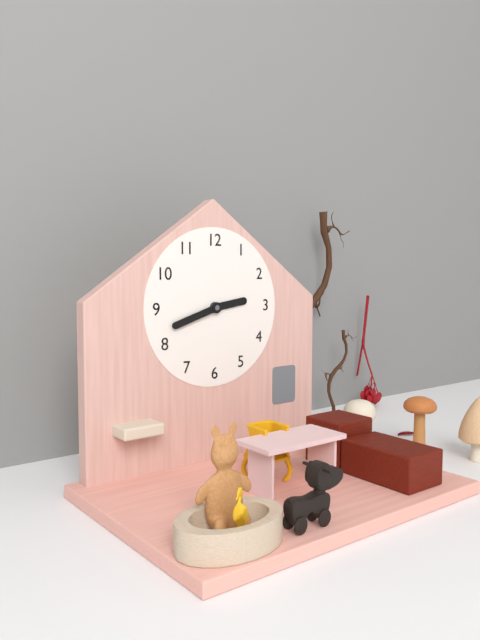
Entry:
2.42
